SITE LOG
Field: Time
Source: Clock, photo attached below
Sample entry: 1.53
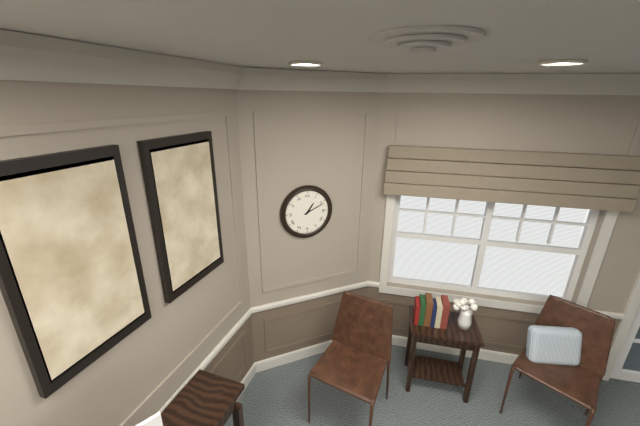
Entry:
1.11
